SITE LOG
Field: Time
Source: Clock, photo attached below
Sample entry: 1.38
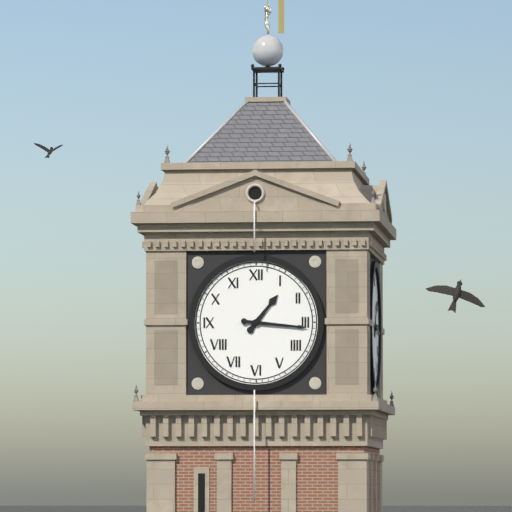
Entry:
1.16
